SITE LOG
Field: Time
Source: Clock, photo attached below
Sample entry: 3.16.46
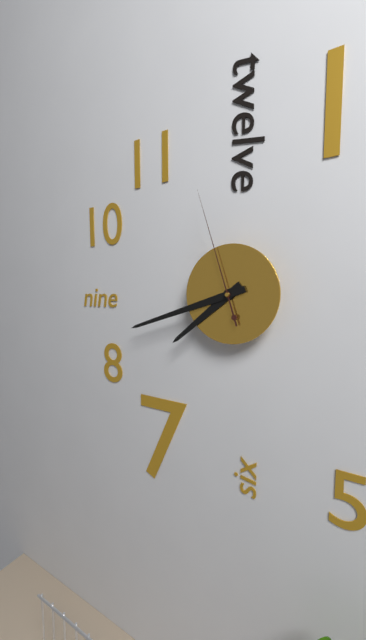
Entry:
7.42.57
